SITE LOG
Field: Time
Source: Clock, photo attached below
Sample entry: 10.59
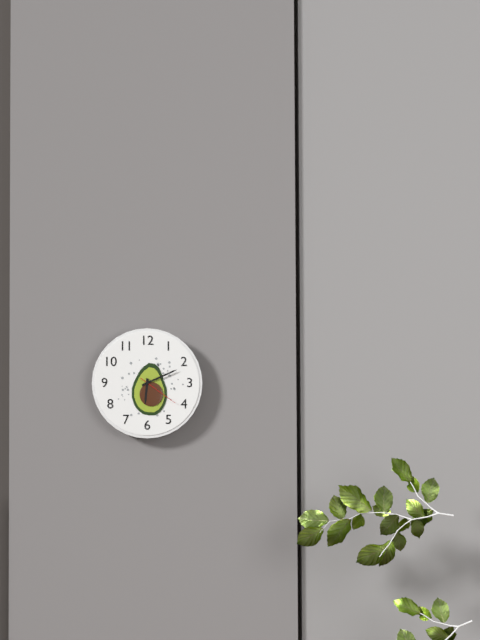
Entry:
6.11
